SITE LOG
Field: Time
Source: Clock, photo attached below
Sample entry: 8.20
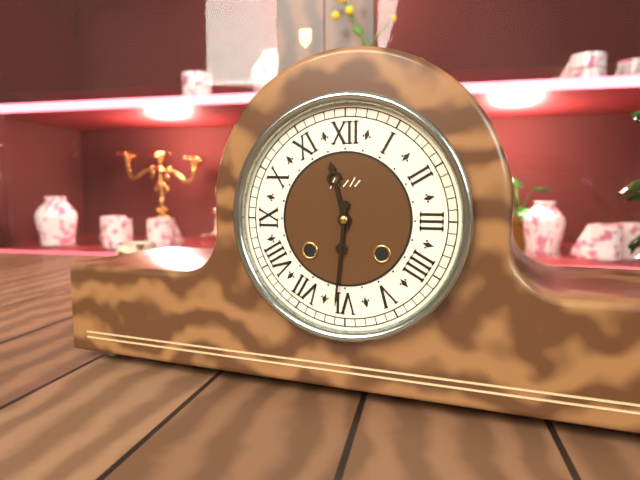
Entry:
11.31
